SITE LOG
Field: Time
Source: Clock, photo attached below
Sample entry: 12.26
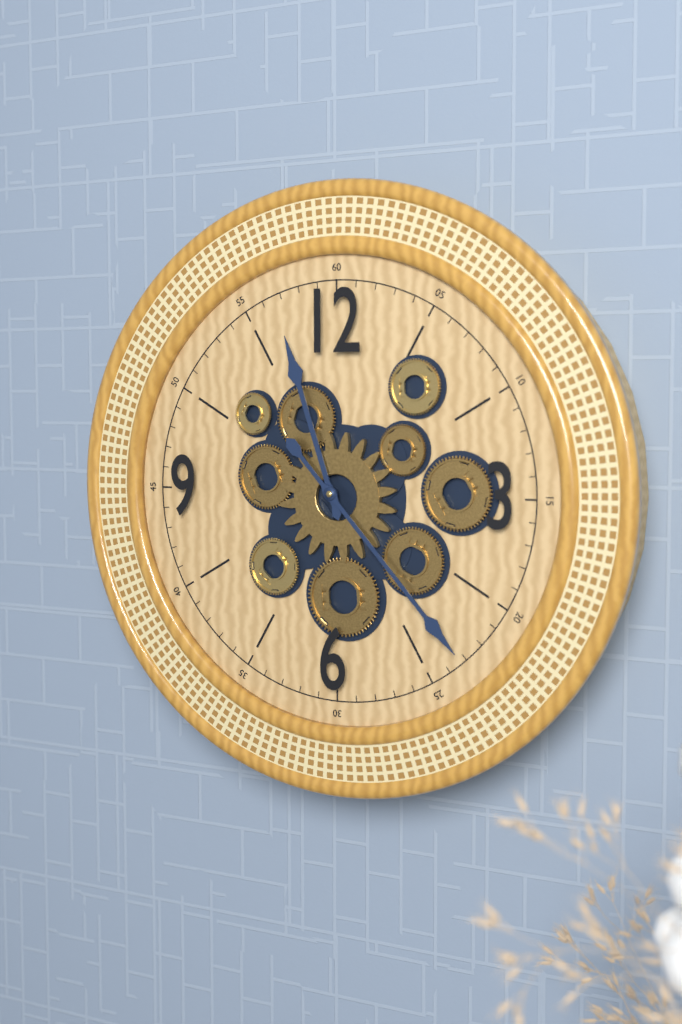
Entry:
11.23
